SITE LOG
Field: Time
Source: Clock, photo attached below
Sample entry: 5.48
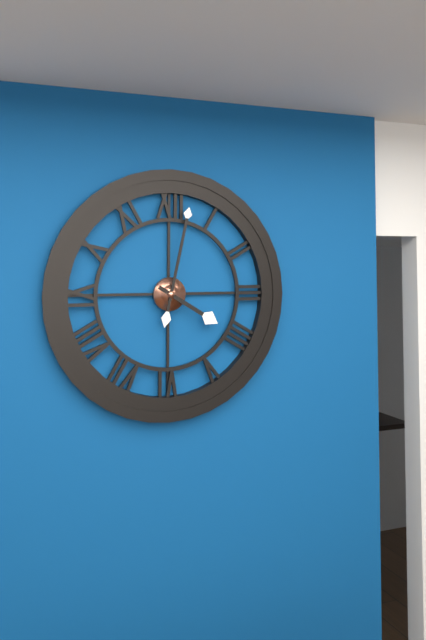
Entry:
4.02
